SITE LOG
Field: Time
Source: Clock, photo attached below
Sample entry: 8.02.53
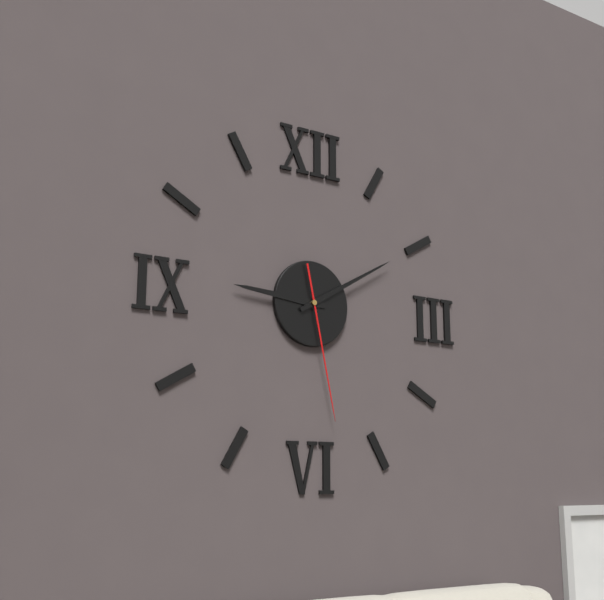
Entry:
9.10.28
